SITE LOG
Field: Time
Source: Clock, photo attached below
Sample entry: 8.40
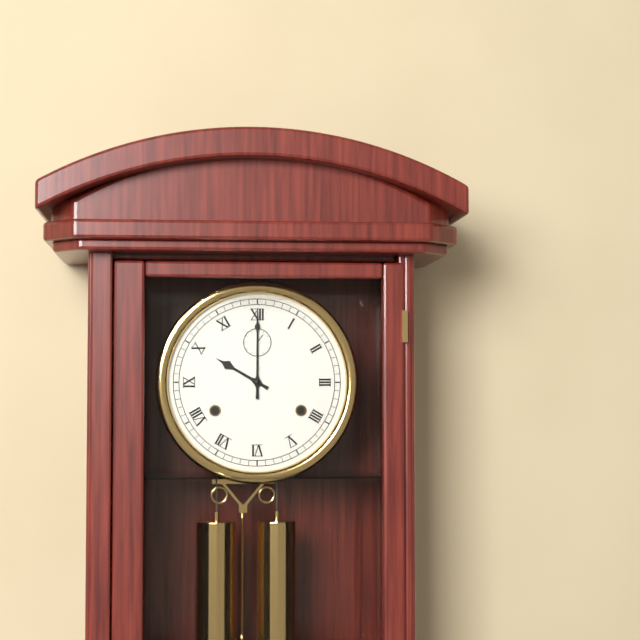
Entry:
10.00
